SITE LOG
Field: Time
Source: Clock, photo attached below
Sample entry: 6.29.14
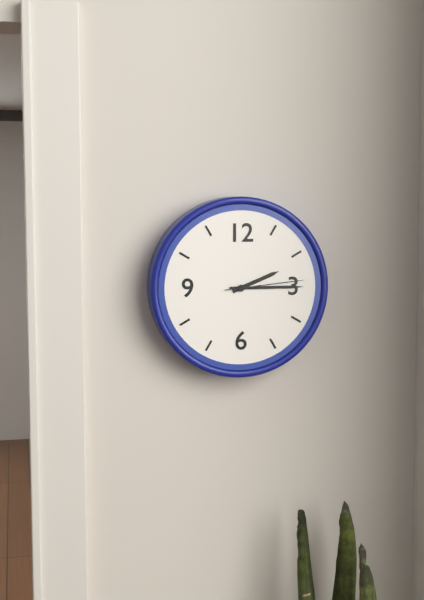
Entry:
2.15.14
